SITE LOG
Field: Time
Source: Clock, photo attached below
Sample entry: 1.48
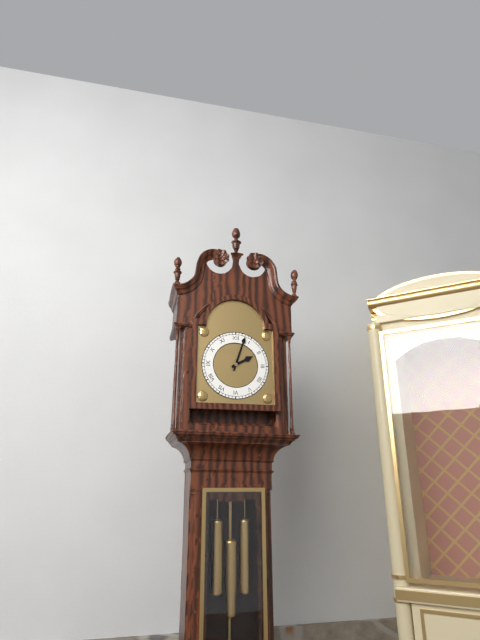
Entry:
2.03
